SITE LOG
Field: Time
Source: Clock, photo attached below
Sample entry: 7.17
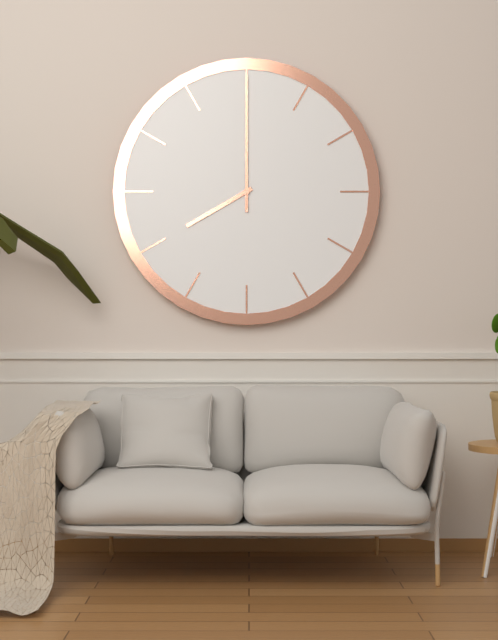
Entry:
8.00
